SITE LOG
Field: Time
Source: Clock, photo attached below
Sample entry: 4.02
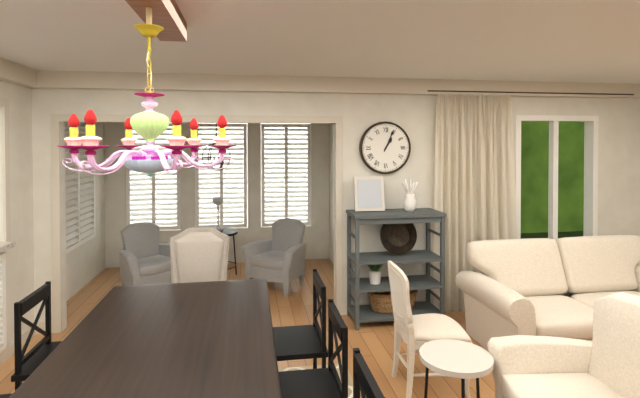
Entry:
1.04
